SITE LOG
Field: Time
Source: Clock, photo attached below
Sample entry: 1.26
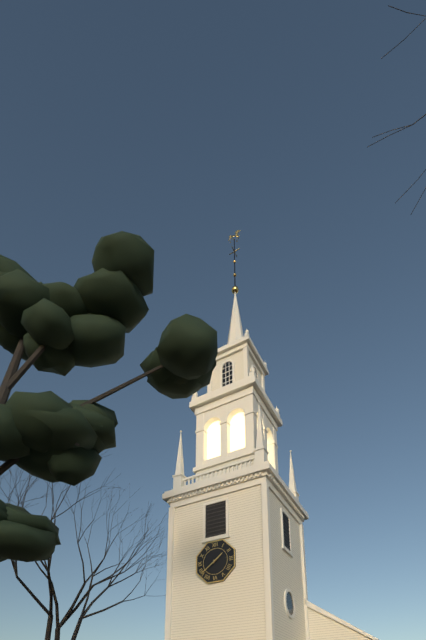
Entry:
1.39
